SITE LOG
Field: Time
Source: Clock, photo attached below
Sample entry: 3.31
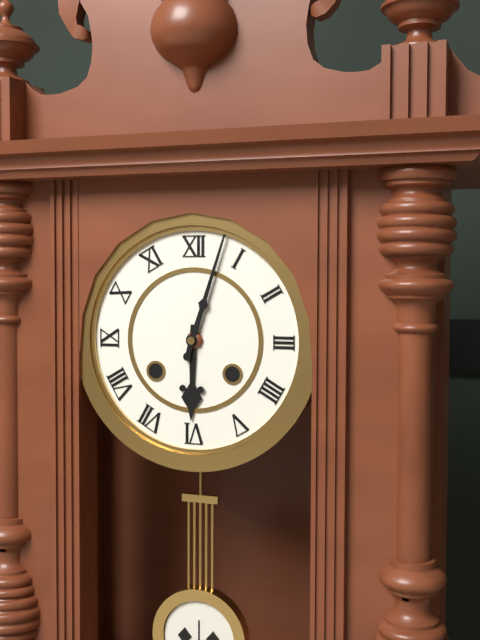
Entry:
6.03
